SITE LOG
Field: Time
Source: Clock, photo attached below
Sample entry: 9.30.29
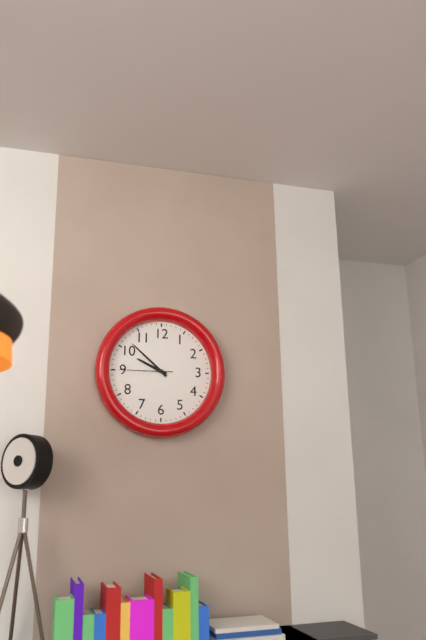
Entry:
9.52.45
